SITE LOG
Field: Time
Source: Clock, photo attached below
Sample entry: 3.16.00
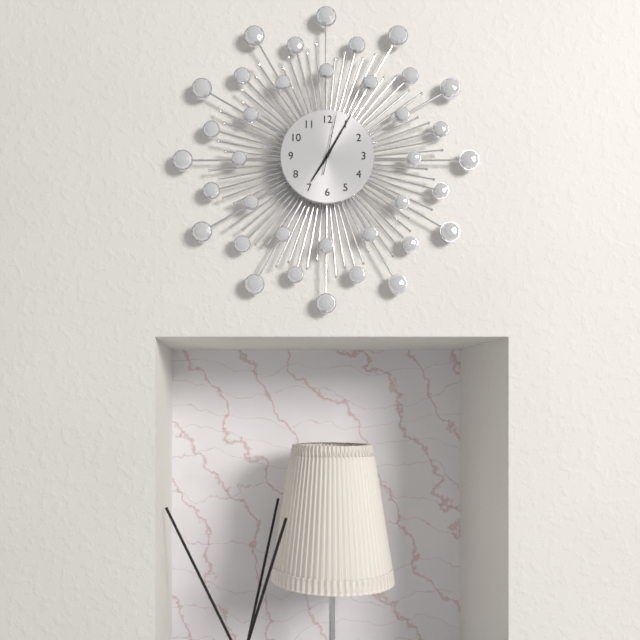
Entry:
7.05.02
